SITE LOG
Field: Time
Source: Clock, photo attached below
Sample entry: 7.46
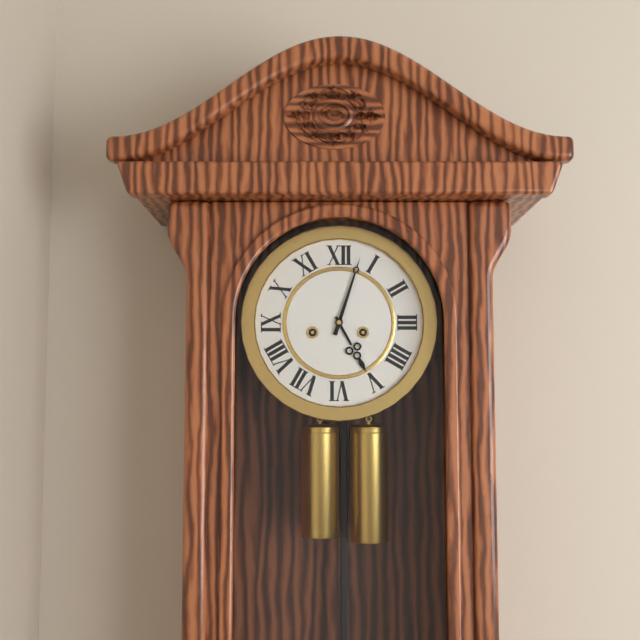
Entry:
5.03
